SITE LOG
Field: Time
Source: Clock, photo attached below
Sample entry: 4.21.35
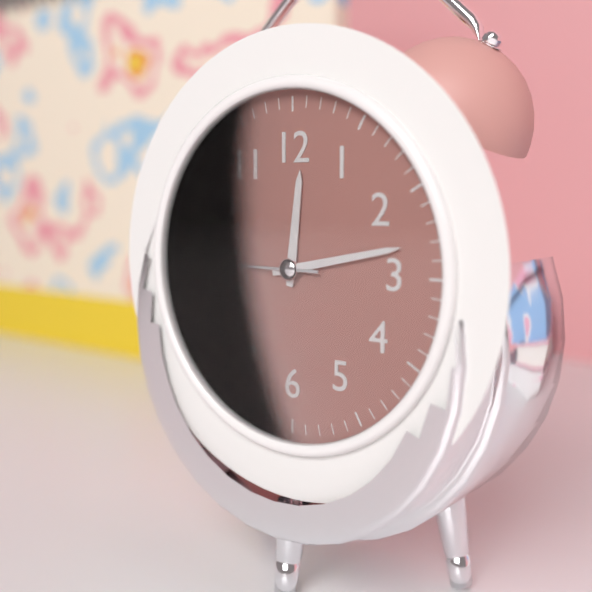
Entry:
12.13.45
